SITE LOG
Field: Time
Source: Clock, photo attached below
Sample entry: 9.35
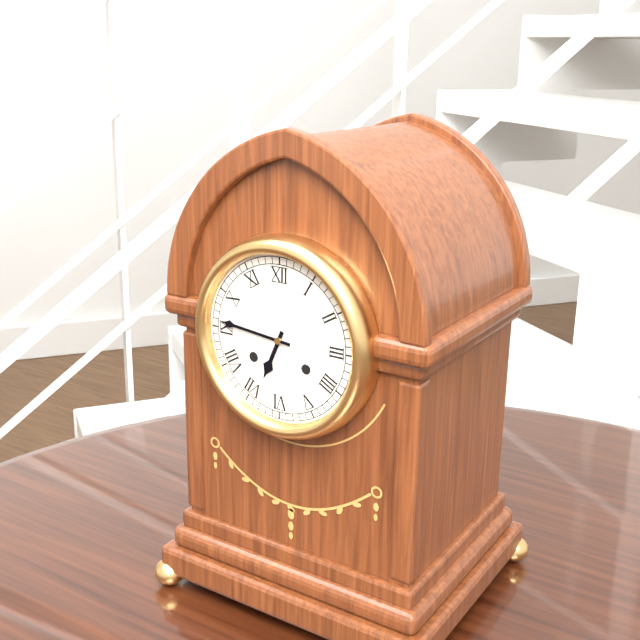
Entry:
6.46
